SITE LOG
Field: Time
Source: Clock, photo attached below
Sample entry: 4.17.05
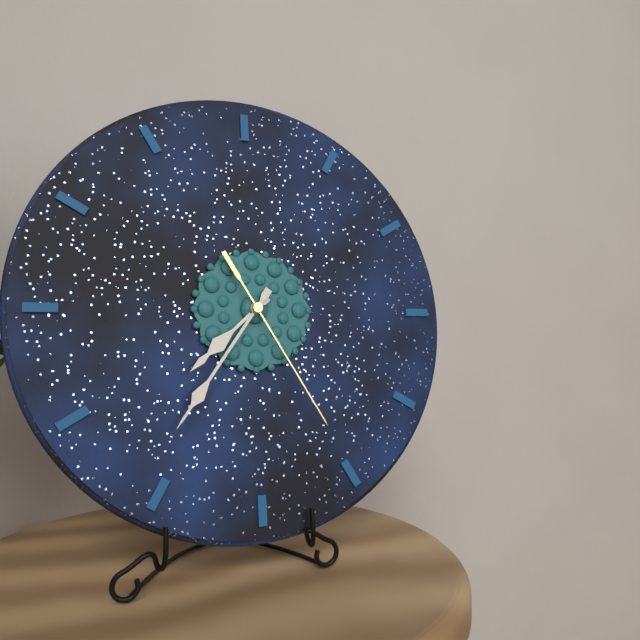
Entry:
7.36.25
